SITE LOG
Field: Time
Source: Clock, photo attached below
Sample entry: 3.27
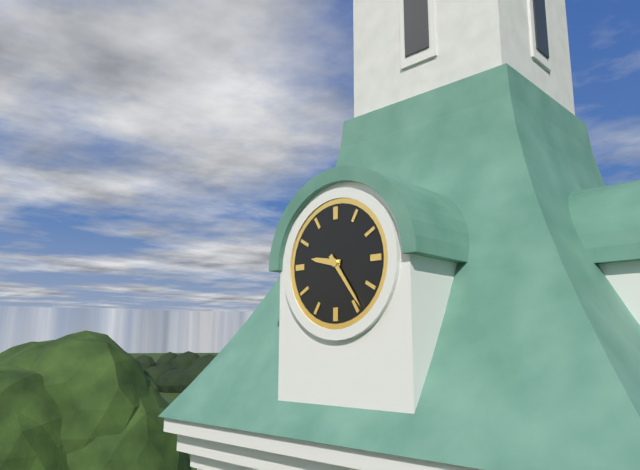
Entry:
9.24
